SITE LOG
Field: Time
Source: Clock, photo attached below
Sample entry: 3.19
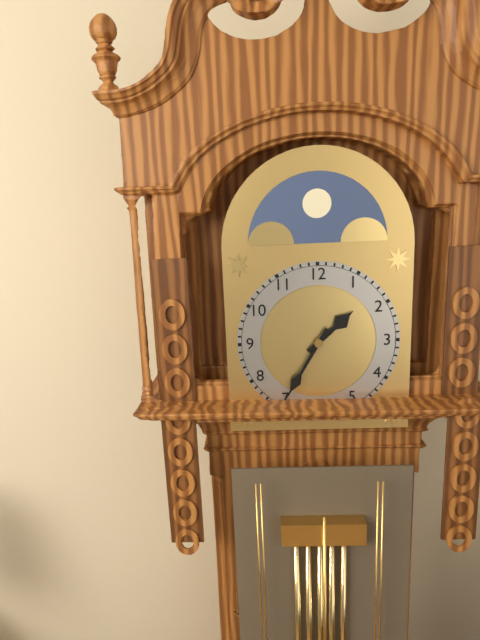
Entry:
1.35
